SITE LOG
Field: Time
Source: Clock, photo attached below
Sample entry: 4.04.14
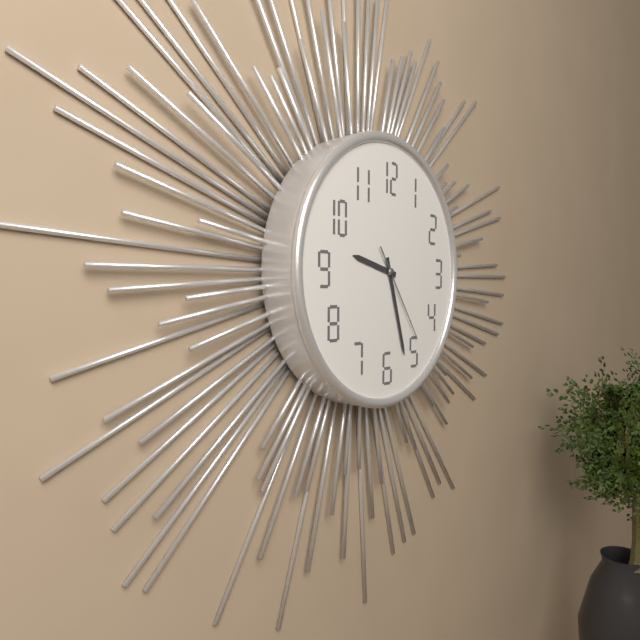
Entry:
9.27.24
